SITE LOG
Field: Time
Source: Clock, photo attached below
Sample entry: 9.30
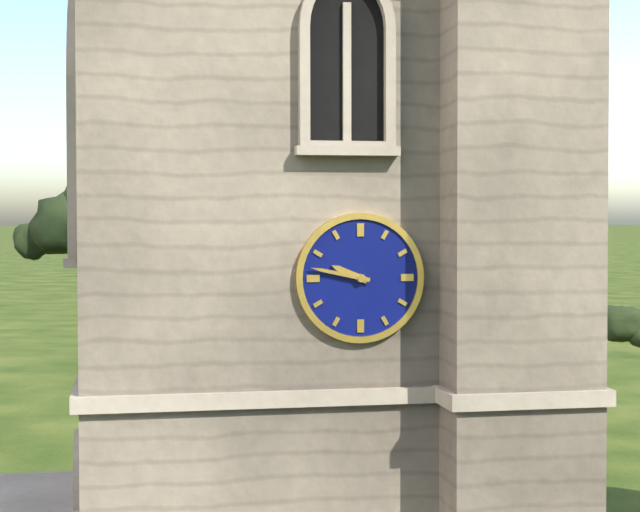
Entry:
9.47
